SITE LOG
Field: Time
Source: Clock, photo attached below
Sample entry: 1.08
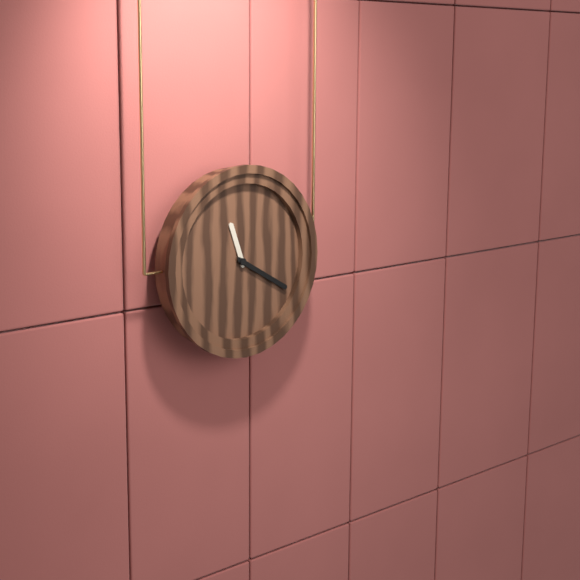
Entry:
11.20
